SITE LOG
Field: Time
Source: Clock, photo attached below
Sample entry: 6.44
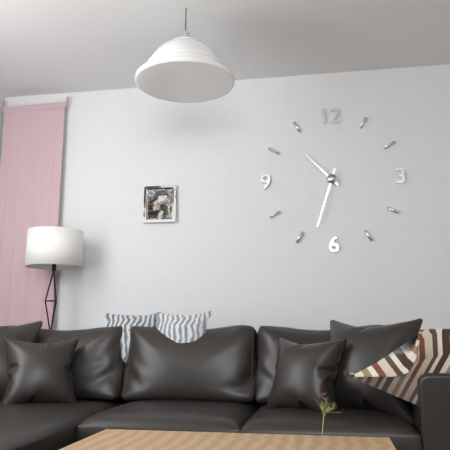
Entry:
10.33
